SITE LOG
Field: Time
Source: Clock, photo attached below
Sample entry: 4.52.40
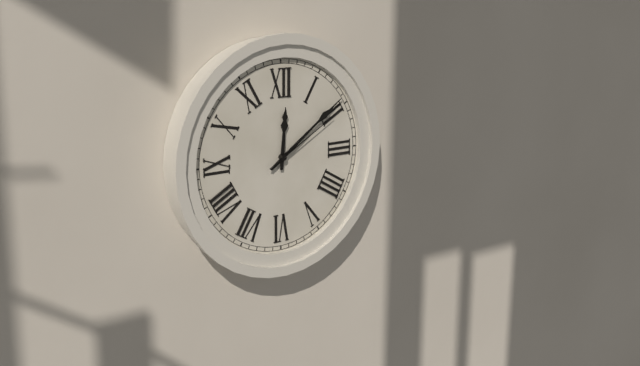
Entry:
12.09.10
